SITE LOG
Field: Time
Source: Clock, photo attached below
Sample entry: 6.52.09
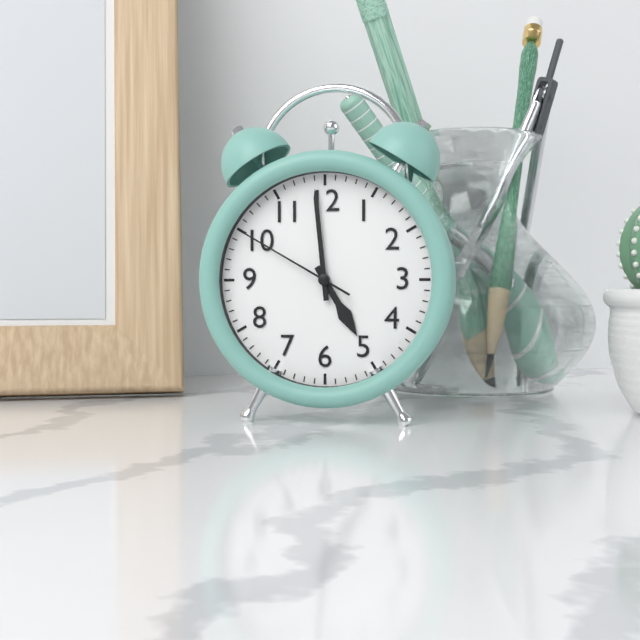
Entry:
4.59.50
